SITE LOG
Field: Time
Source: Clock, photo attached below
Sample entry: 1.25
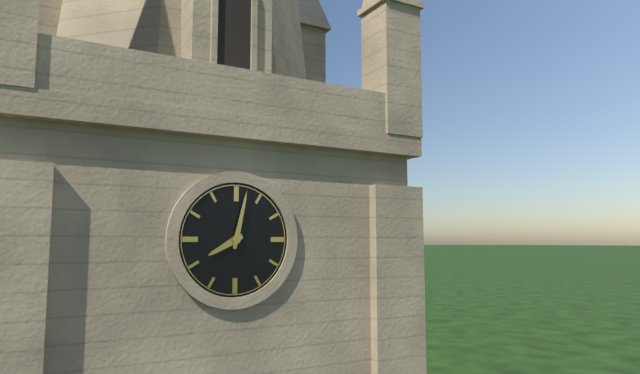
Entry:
8.02
